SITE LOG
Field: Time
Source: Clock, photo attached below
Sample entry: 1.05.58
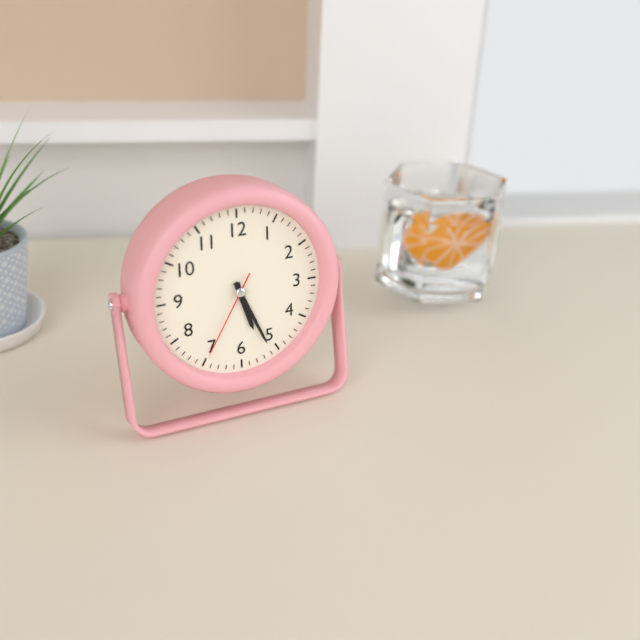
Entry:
5.26.35
